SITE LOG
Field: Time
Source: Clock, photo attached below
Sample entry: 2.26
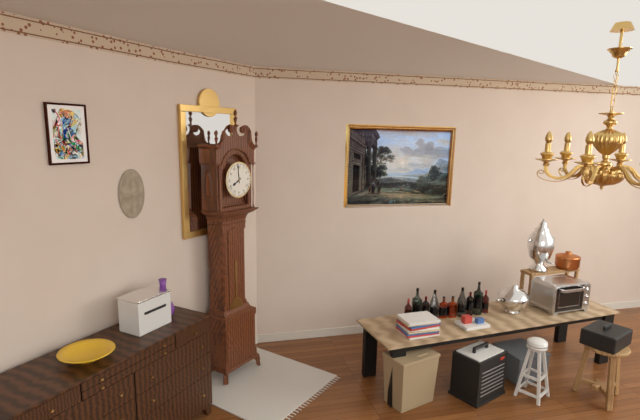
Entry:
7.59
